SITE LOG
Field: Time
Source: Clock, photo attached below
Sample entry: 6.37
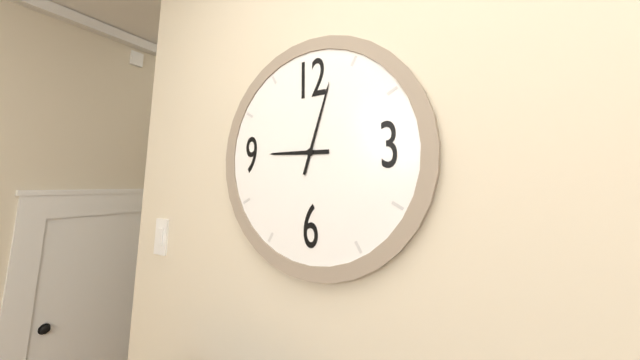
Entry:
9.03
